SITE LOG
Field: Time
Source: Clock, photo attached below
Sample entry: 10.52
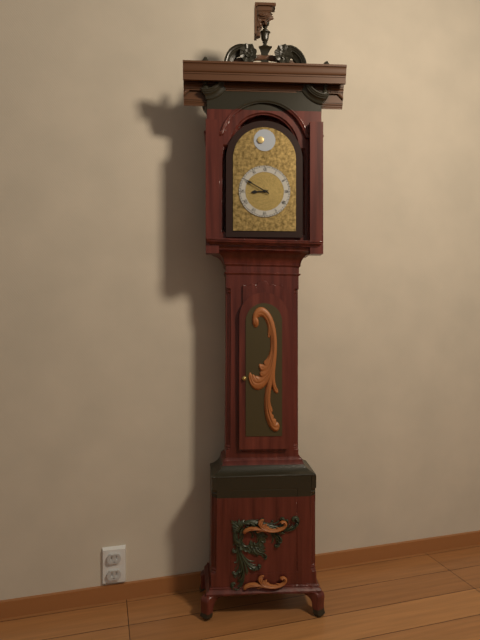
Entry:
8.50
